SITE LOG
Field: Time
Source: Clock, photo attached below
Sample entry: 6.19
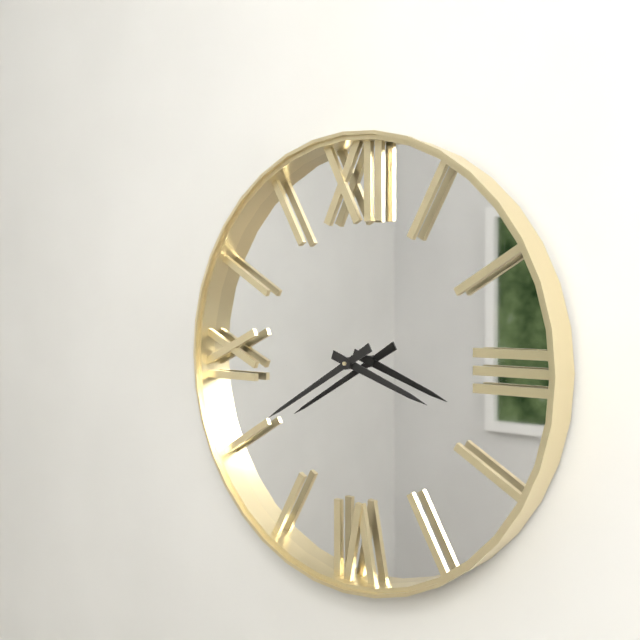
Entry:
3.40
